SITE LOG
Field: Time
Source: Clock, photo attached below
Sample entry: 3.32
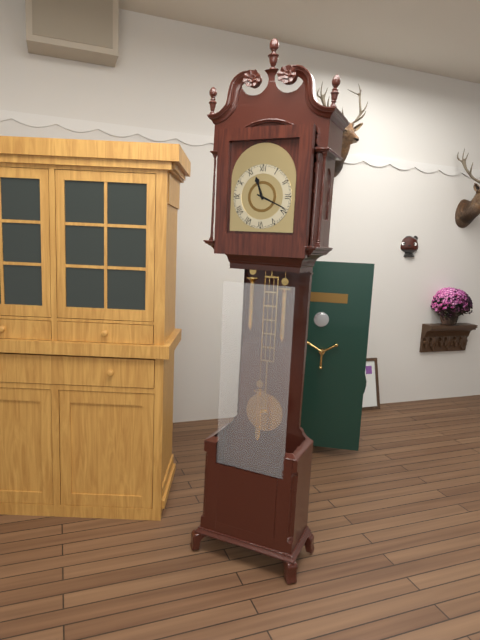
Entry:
11.19
